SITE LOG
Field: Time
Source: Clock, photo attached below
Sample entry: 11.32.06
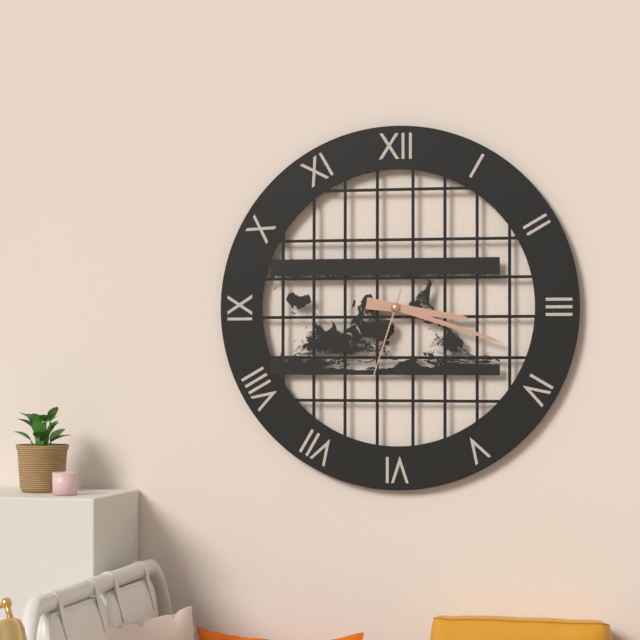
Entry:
3.18.33
